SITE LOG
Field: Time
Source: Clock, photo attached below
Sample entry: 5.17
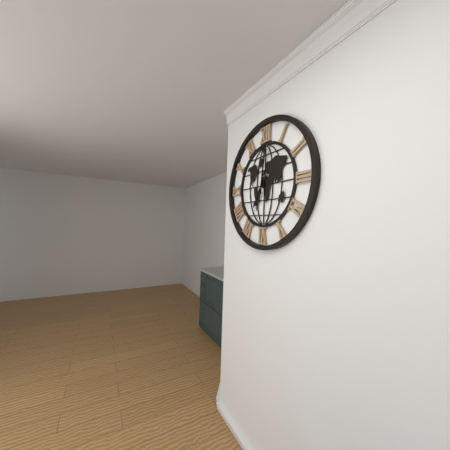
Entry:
7.01
